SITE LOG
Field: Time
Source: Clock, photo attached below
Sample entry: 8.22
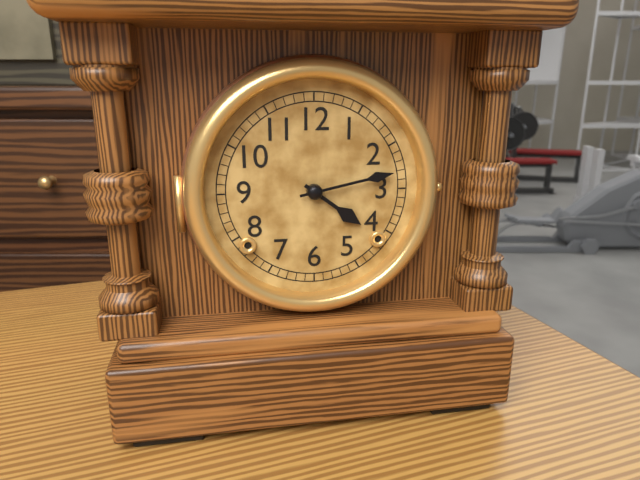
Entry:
4.13
